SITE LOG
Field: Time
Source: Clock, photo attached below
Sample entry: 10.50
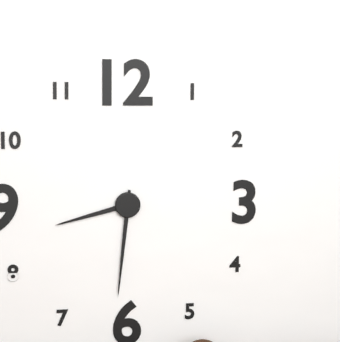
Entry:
8.31
